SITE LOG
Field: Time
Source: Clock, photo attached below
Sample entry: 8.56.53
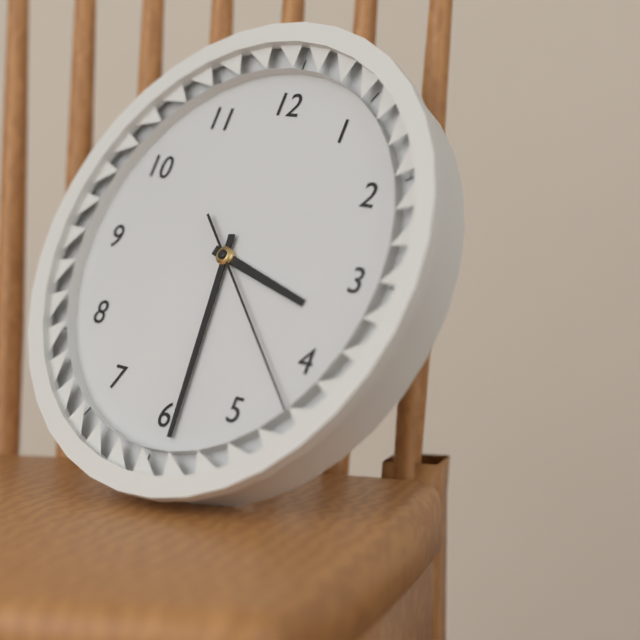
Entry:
3.29.22
